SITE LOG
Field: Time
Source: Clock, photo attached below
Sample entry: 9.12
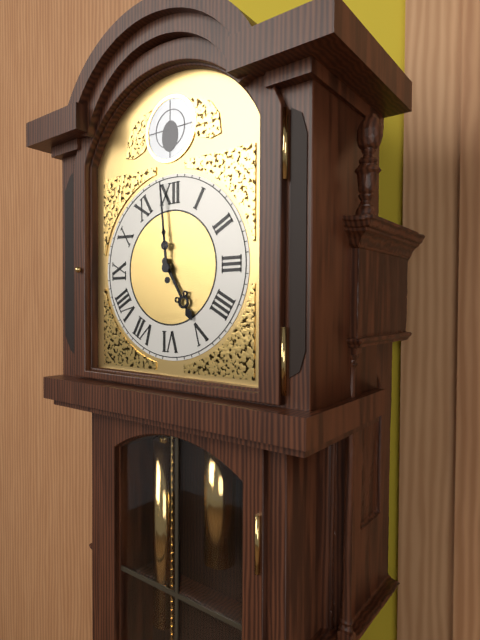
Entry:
4.59
